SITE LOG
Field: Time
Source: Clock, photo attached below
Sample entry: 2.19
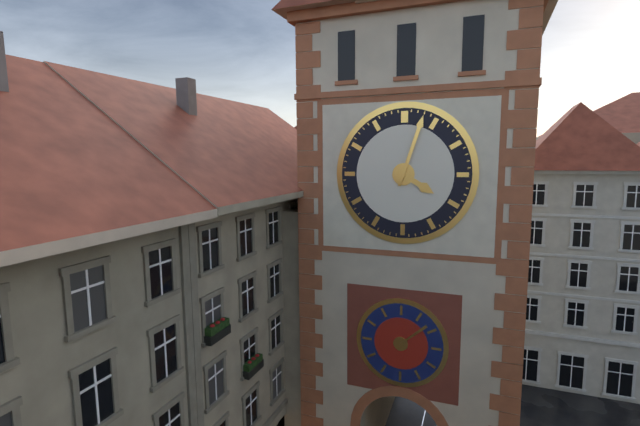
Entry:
4.03
